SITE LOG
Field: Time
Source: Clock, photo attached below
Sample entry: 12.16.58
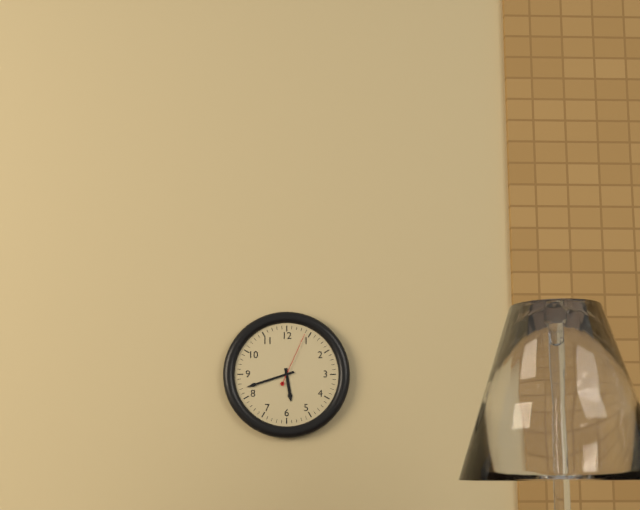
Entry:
5.42.04
